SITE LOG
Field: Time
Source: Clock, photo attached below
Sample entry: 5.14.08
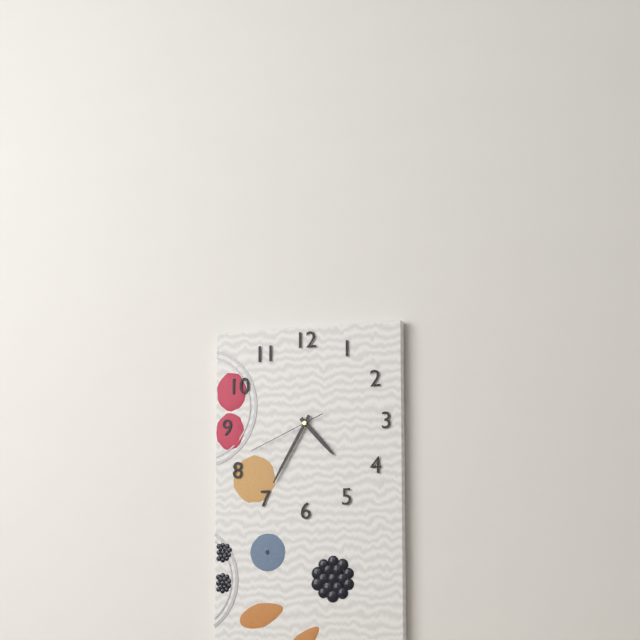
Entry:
4.35.41
